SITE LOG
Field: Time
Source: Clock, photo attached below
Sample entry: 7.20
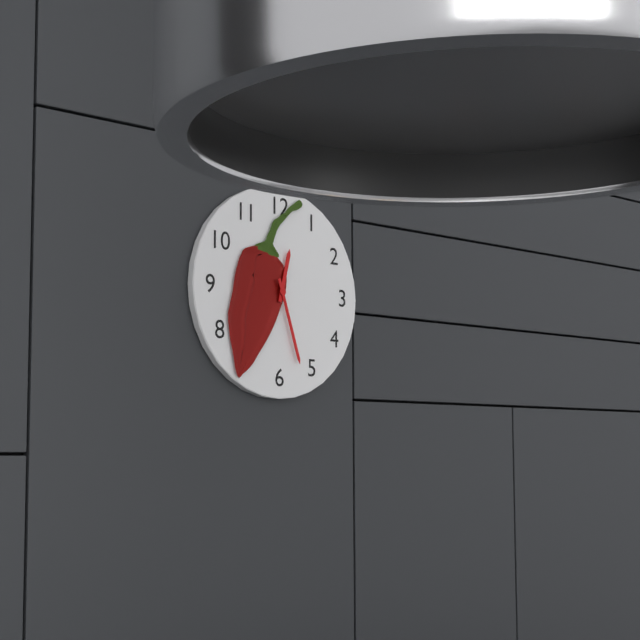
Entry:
12.27
